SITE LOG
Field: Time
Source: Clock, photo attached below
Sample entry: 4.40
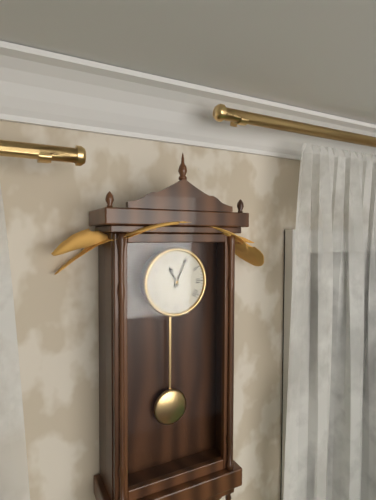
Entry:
11.04
